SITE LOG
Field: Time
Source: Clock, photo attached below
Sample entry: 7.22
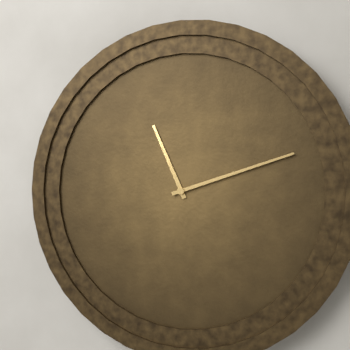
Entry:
11.12
